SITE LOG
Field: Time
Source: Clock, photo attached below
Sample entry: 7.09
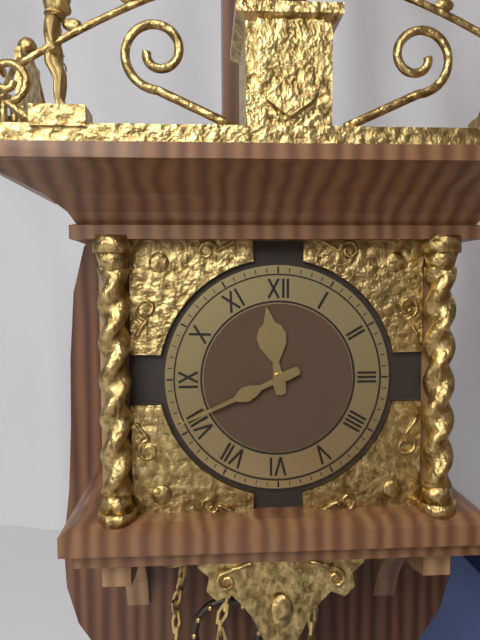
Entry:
11.41
